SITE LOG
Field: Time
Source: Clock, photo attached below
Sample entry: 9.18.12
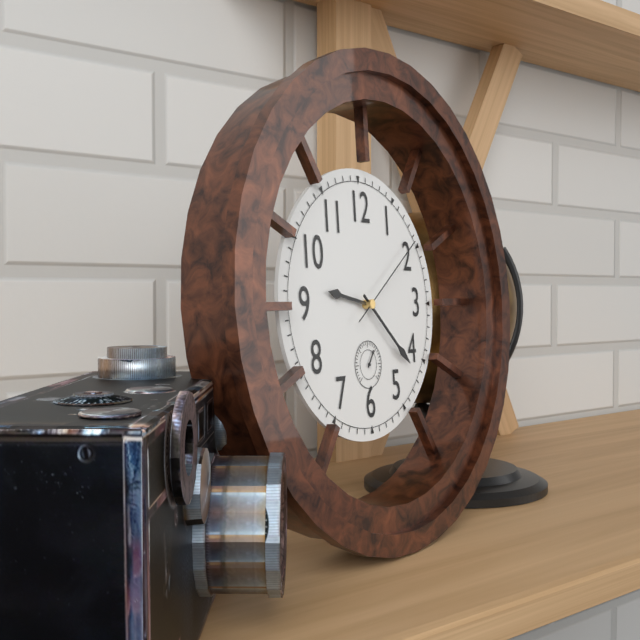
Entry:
9.22.09
